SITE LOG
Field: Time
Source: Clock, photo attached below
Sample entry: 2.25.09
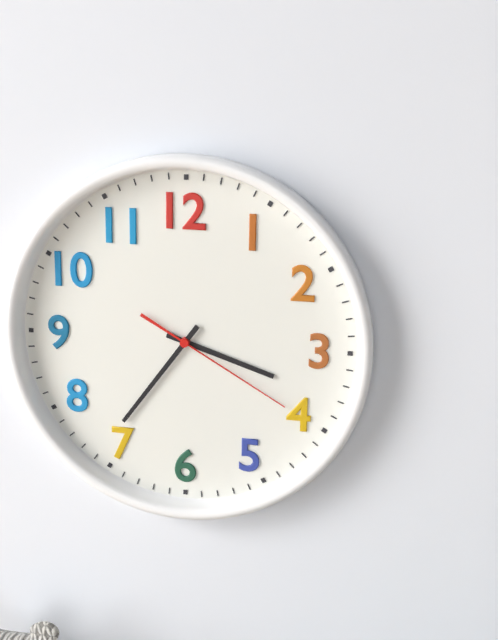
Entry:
3.36.20
